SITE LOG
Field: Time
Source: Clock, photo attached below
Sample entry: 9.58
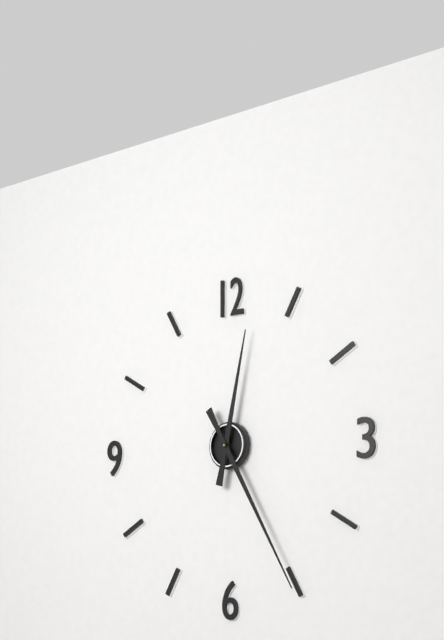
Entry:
12.25
